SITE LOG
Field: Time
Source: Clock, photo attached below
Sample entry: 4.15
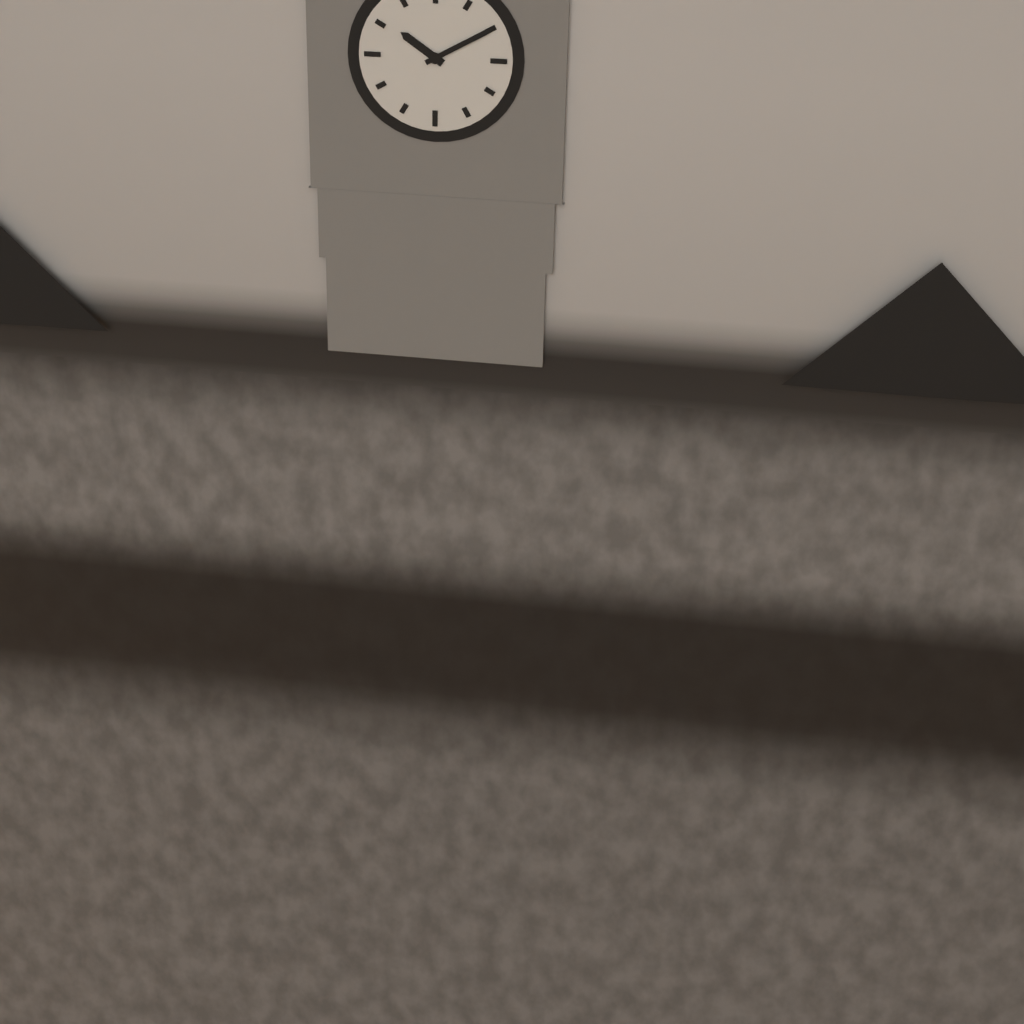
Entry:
10.10
